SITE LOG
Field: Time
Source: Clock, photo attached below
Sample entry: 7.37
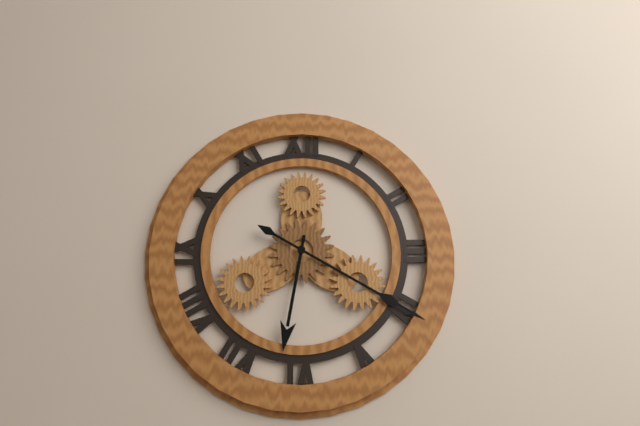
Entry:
6.20
